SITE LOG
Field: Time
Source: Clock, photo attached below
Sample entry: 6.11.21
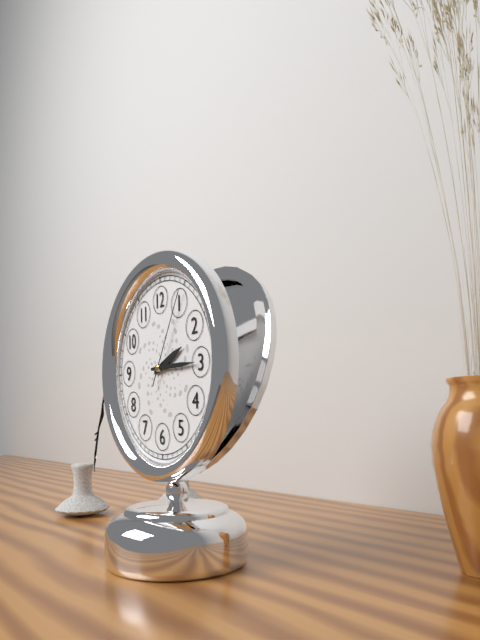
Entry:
2.15.05
